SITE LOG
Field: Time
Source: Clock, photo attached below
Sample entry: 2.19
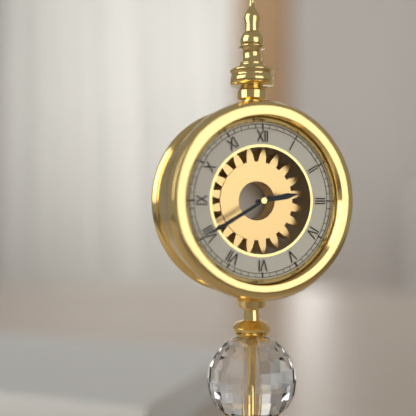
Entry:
2.40
